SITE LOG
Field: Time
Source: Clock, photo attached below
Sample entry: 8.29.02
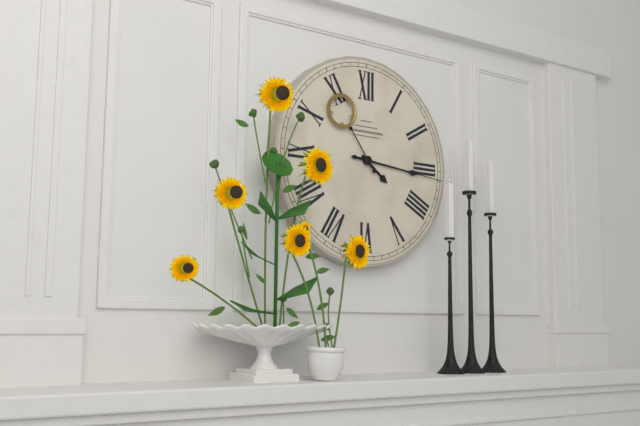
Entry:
4.16.54
